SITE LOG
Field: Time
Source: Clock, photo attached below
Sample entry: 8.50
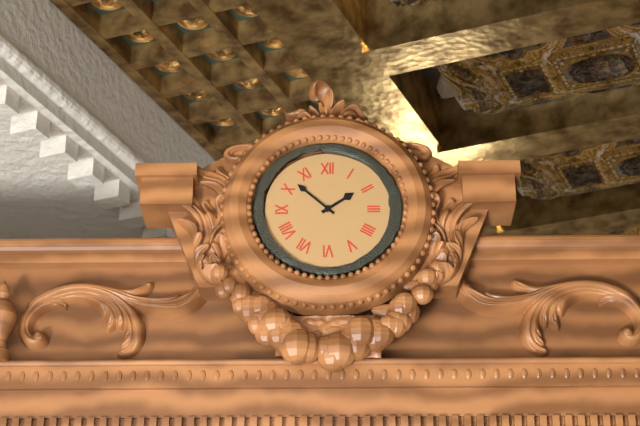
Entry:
1.52
